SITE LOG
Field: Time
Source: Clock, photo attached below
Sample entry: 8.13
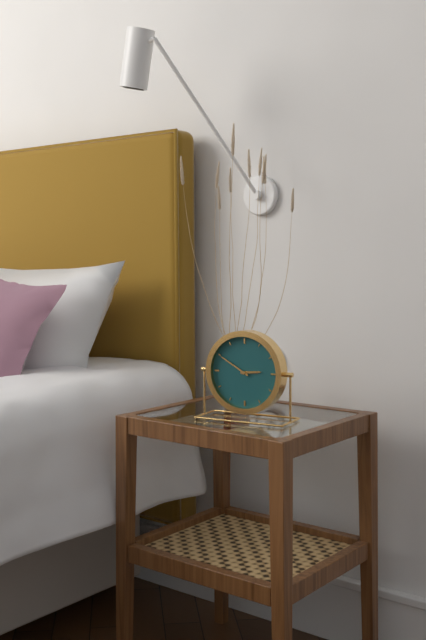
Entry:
2.50
